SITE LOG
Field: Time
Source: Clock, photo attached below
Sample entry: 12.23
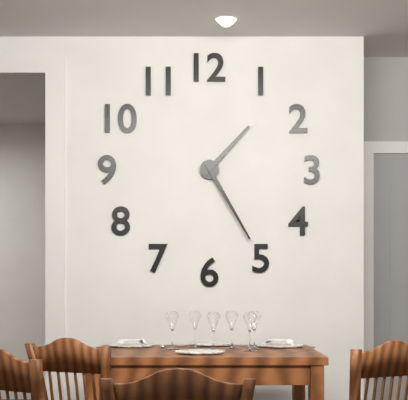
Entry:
1.25
